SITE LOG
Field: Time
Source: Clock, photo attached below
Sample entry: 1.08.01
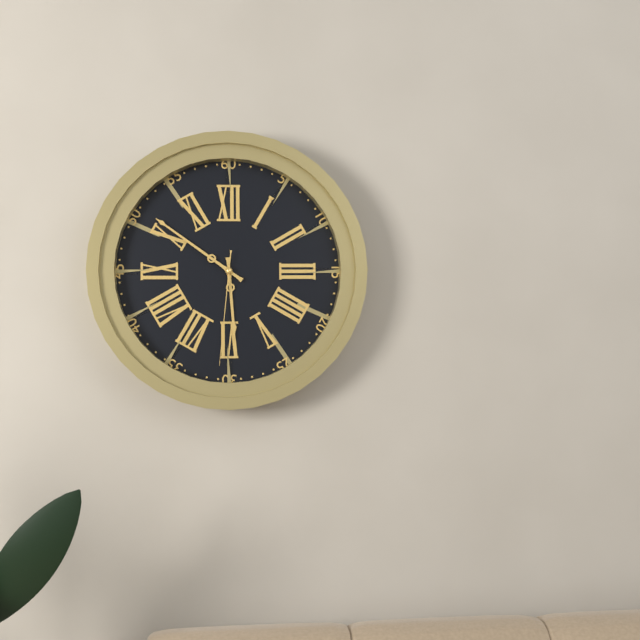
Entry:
5.51.31
